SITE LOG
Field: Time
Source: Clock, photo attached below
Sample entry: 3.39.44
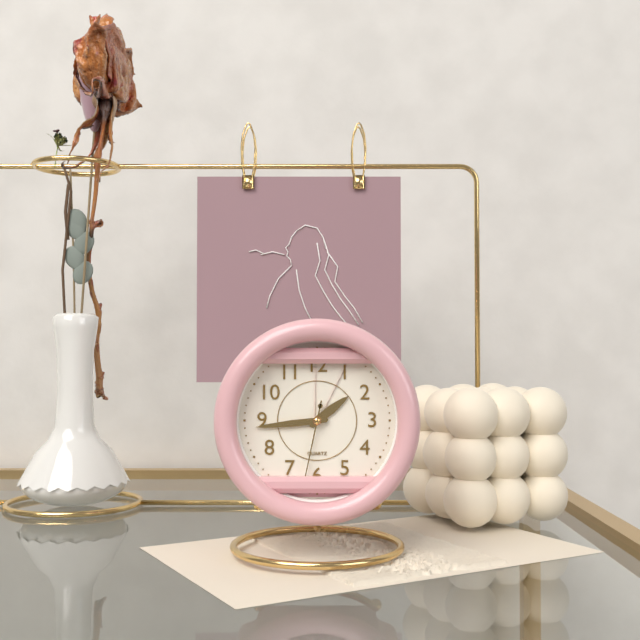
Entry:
1.44.32
